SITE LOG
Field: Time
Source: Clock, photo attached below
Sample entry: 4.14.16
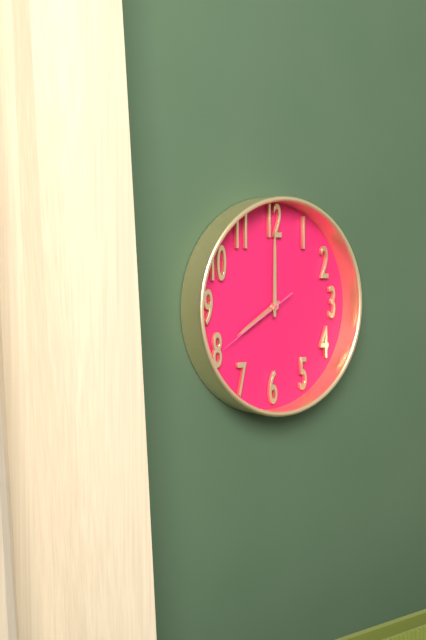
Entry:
8.00.40
